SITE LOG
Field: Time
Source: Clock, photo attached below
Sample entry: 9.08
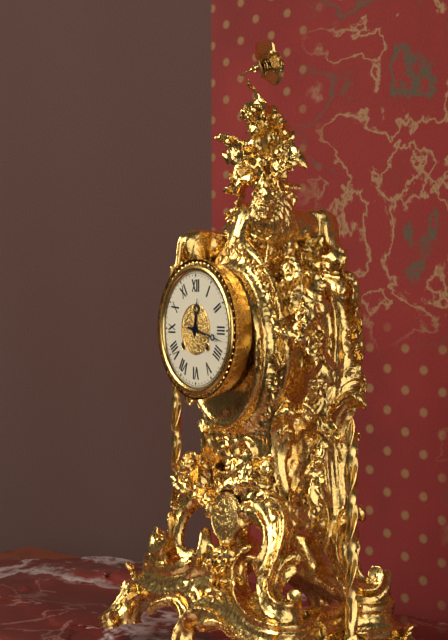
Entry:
12.17
